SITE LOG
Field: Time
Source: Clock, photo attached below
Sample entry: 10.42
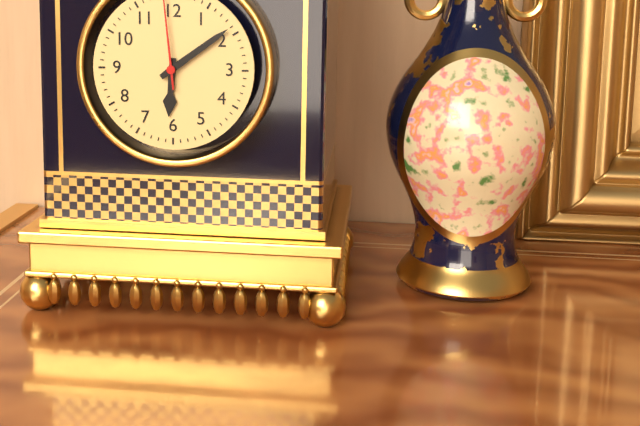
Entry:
6.09
